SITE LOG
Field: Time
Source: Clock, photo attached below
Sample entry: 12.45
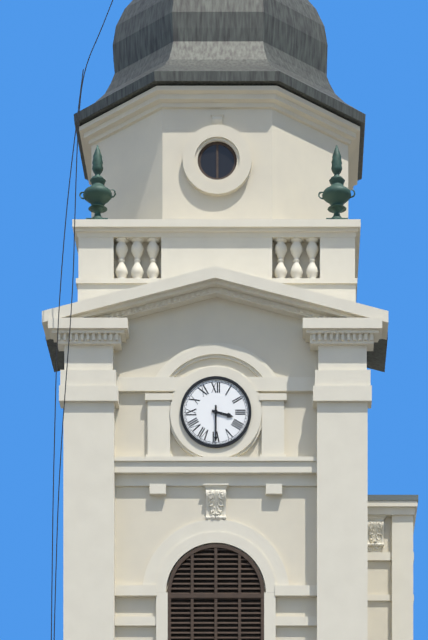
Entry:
3.30
